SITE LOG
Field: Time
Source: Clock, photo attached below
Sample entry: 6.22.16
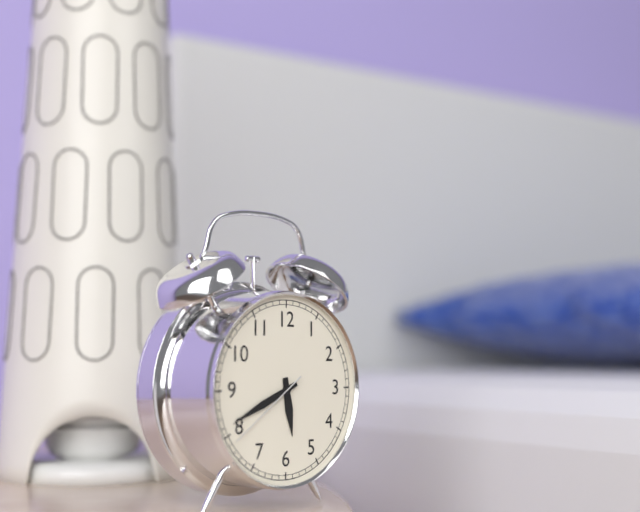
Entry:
5.41.39
